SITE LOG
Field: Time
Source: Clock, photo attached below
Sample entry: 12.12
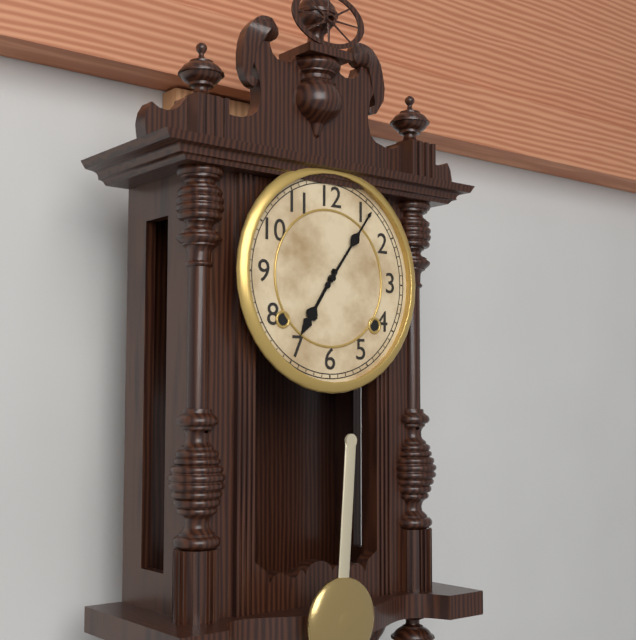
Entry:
7.06
